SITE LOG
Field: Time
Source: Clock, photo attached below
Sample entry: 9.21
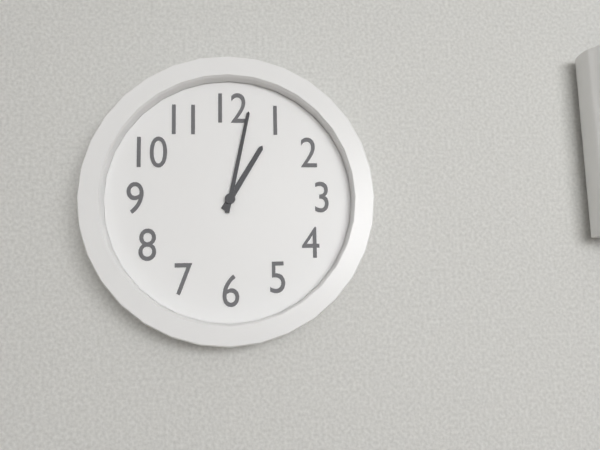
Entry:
1.02
